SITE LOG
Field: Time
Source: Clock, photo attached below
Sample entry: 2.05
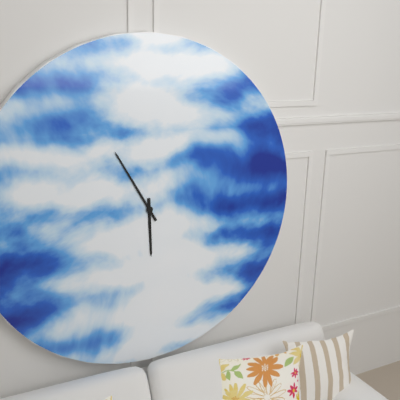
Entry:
5.55
